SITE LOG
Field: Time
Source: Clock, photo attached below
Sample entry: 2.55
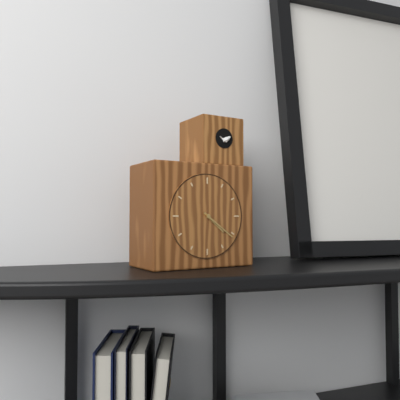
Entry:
4.21
